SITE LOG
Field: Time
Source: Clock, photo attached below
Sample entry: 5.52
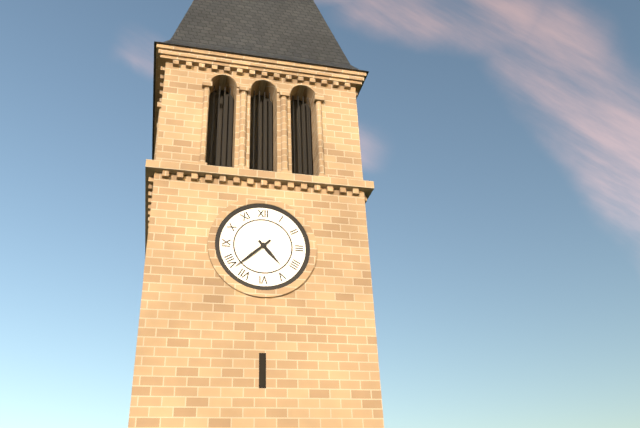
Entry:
4.38
